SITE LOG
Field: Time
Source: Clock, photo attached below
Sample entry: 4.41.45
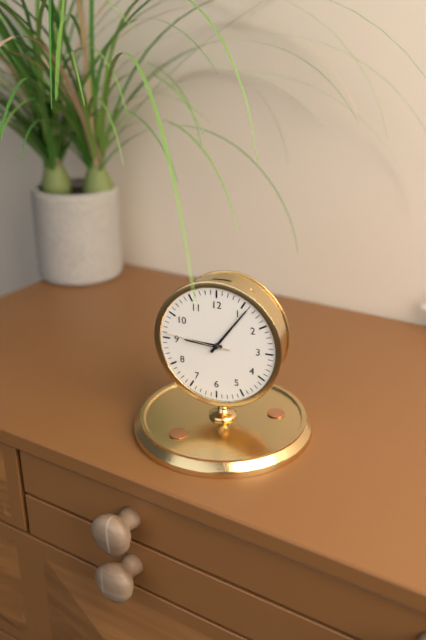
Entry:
9.06.46
